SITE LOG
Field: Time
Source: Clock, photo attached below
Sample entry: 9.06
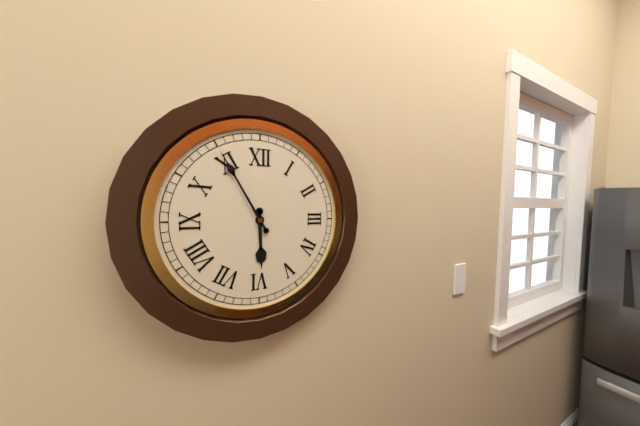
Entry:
5.55
